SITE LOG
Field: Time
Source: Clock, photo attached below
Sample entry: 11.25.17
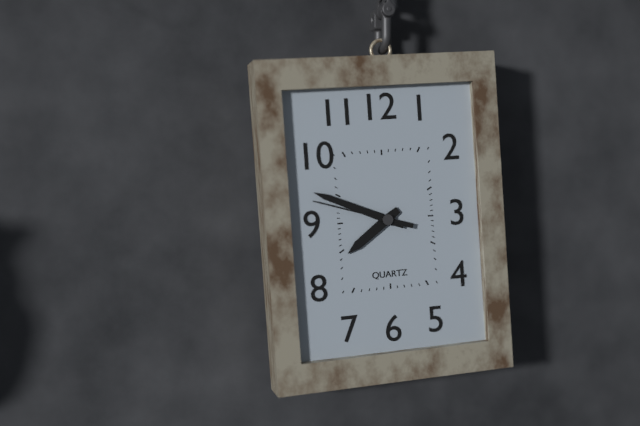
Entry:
7.49.48
